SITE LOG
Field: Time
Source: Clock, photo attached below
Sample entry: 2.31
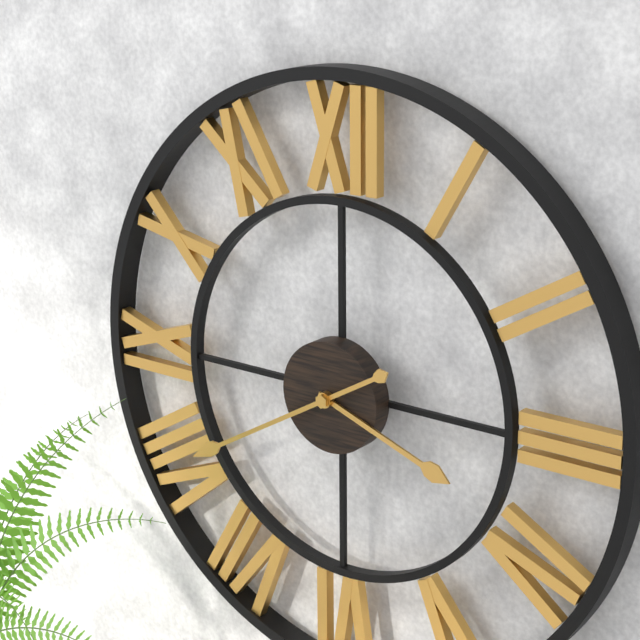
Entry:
3.40
